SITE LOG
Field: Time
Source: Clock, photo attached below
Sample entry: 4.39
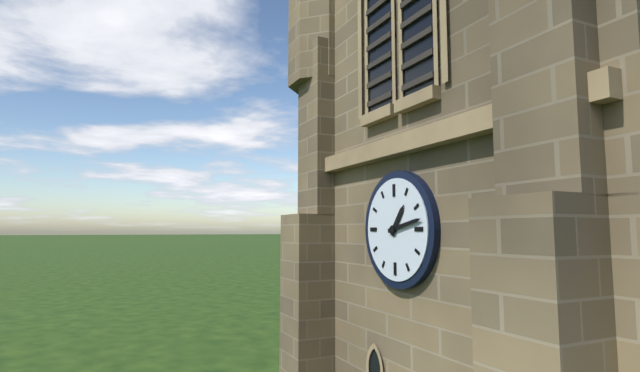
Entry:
1.13
